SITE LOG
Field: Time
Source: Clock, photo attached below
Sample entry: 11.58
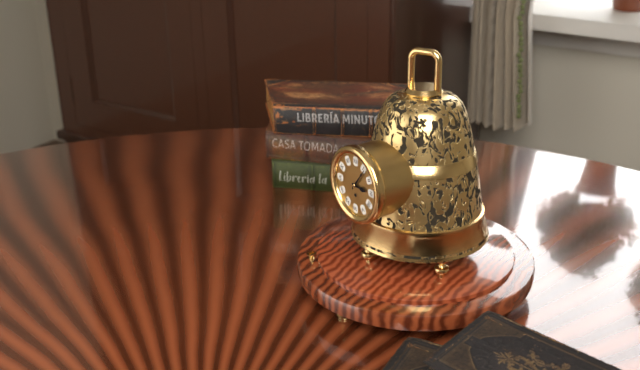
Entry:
3.06
